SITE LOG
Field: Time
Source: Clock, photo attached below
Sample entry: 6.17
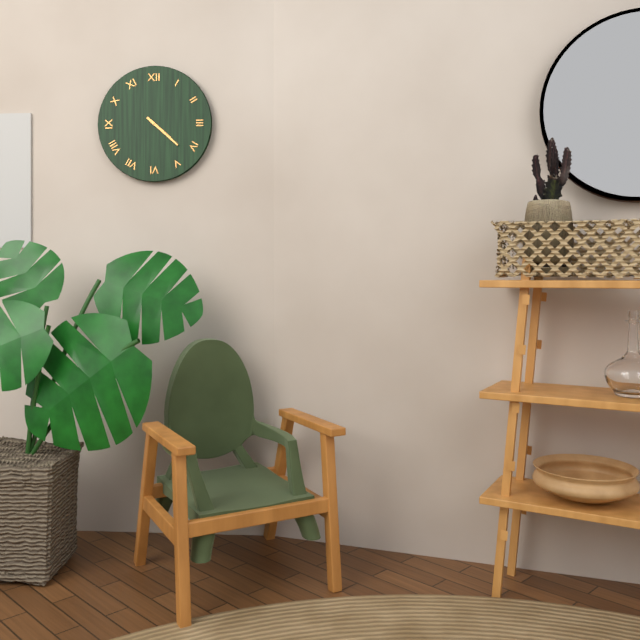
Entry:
4.22
